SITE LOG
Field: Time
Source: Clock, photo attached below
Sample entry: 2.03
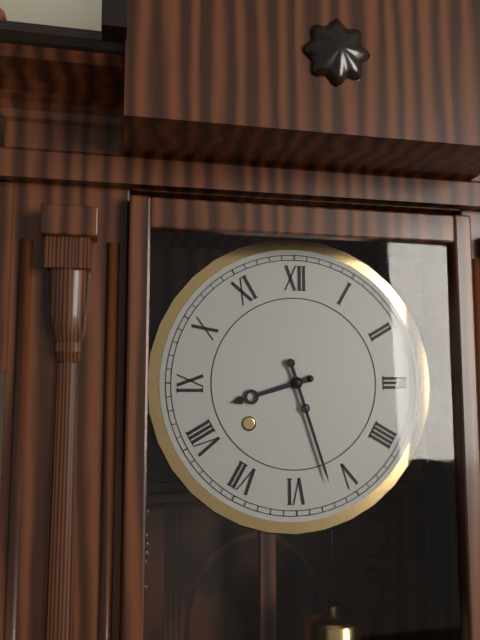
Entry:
8.27
